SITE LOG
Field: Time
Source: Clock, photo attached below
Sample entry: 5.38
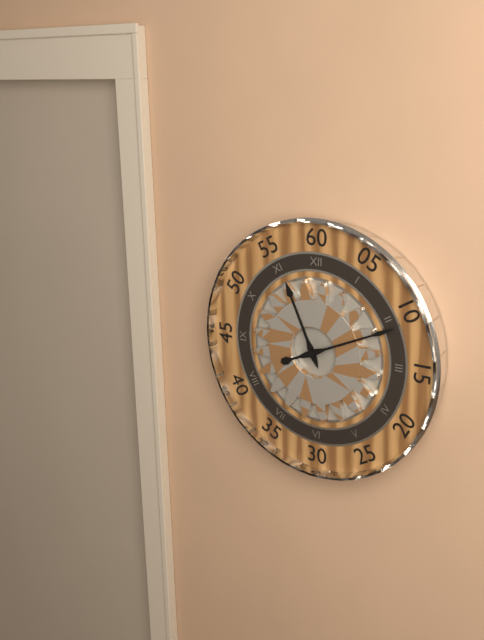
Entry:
11.11
